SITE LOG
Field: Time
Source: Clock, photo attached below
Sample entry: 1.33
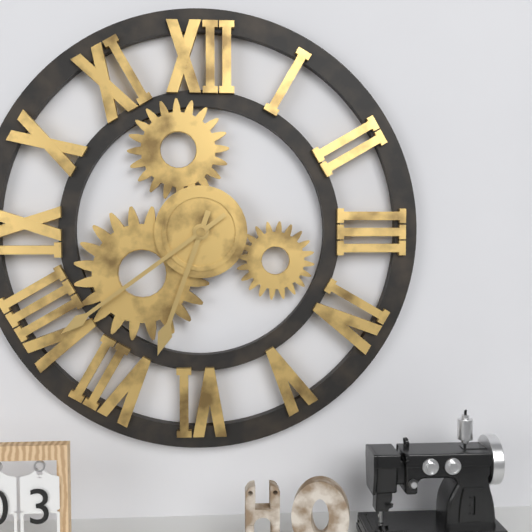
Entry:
6.39
